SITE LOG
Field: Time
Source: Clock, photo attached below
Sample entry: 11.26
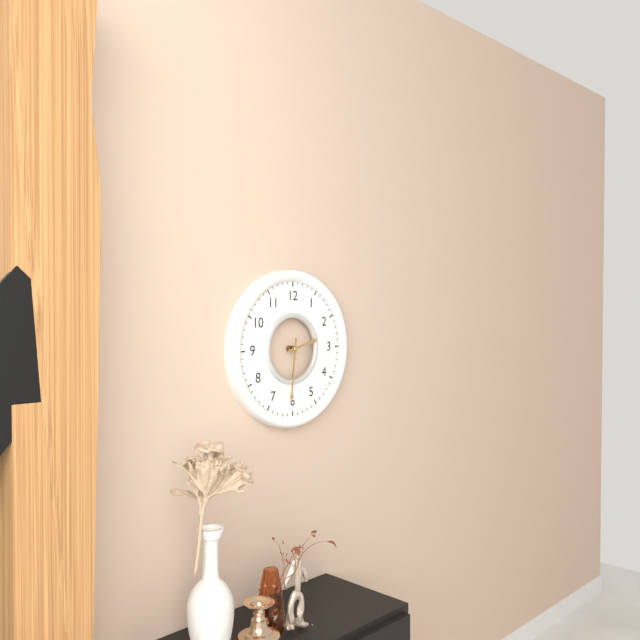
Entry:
2.31
